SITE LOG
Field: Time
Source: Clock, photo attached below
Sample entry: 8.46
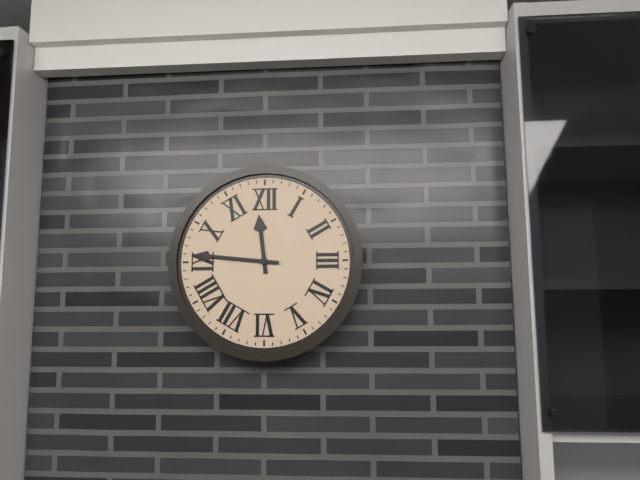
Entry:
11.46
